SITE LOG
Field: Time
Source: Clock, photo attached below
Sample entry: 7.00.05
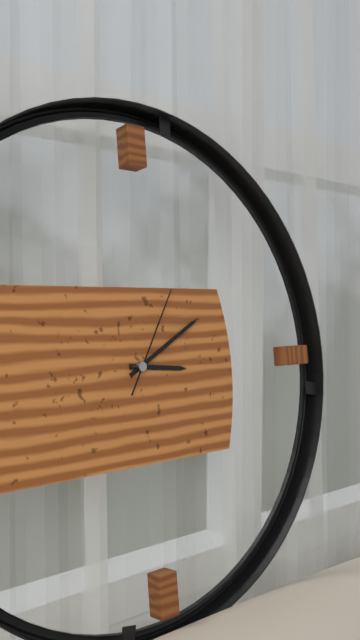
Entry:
3.10.05
